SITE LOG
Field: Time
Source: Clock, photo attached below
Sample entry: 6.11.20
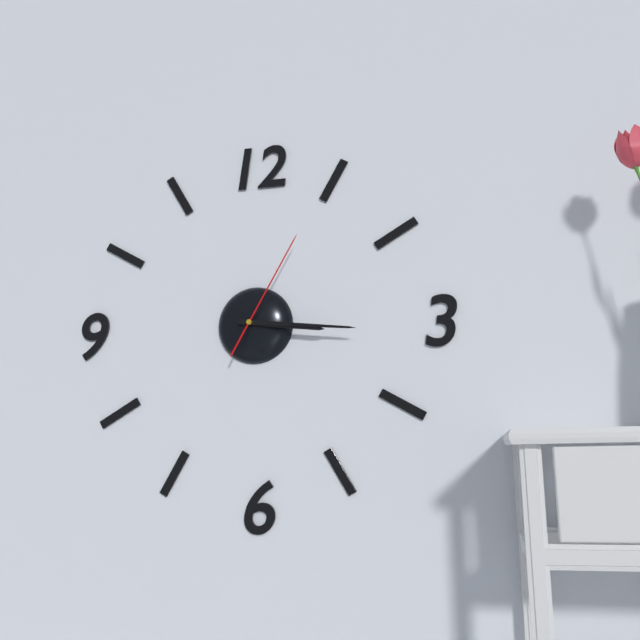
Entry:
3.16.05
